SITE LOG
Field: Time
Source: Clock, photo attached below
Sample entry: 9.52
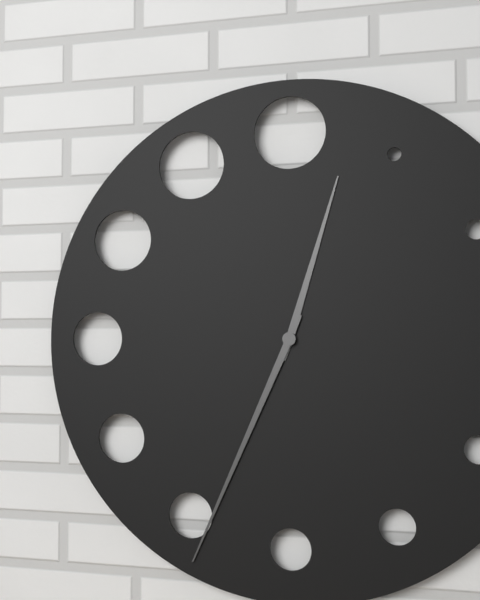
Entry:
12.34
